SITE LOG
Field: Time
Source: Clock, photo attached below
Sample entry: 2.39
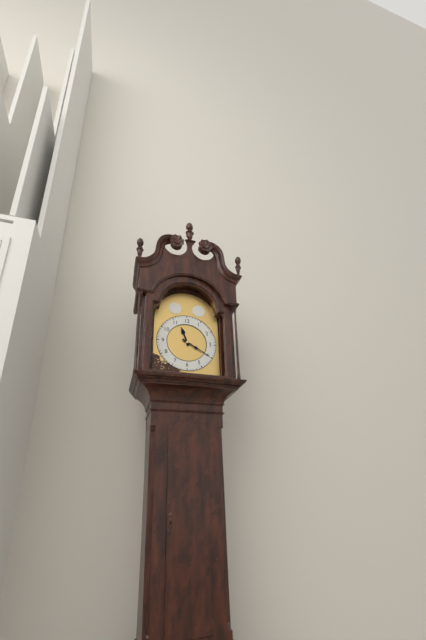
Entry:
11.20
